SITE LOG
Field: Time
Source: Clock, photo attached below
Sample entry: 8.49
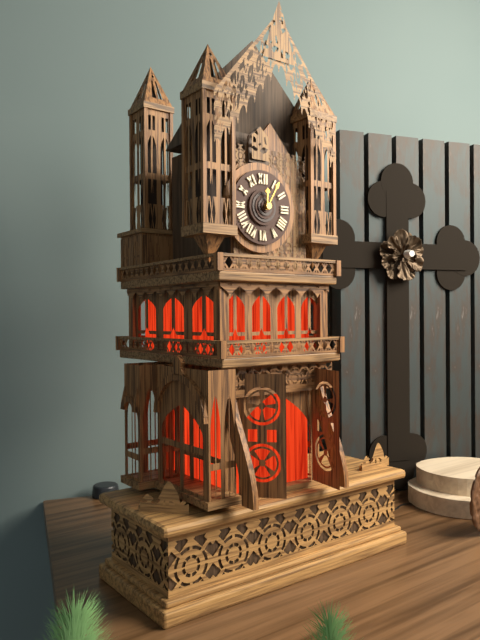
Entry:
12.05
